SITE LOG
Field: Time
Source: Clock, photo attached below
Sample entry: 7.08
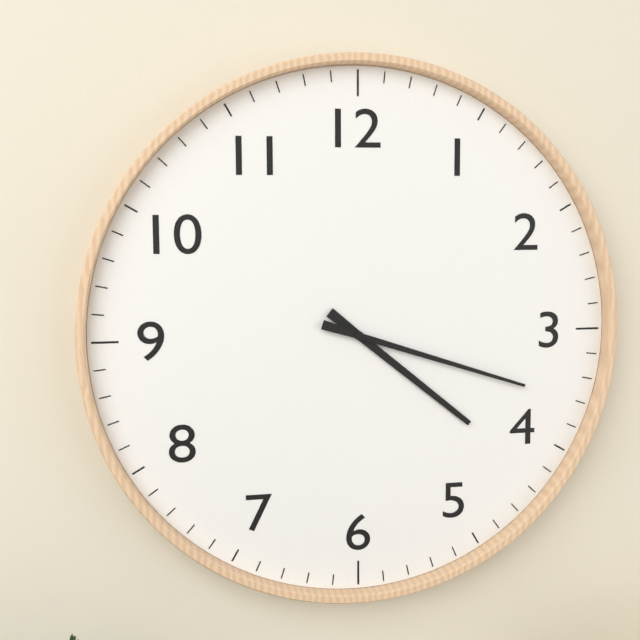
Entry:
4.18
